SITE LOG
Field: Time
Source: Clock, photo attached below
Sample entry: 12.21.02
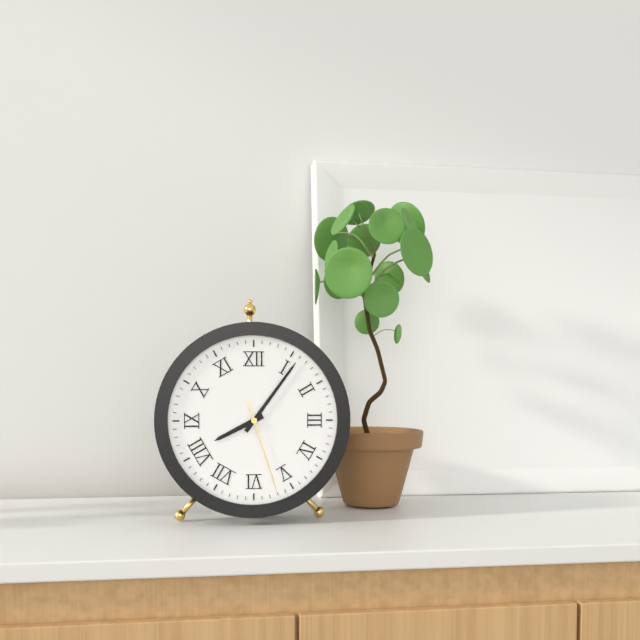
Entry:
8.06.27
